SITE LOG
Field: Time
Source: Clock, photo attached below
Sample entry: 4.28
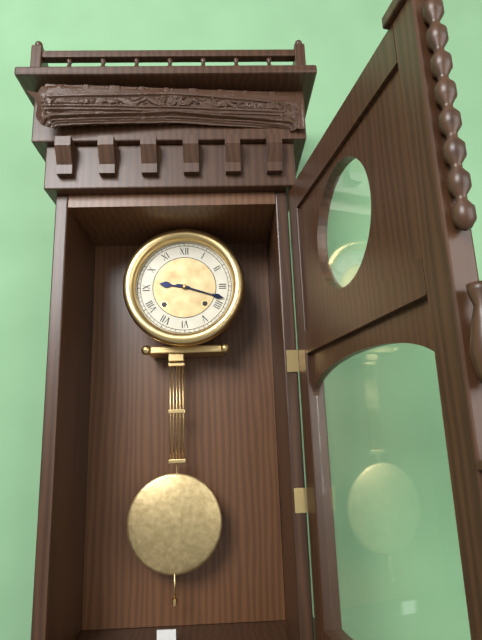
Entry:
9.18
